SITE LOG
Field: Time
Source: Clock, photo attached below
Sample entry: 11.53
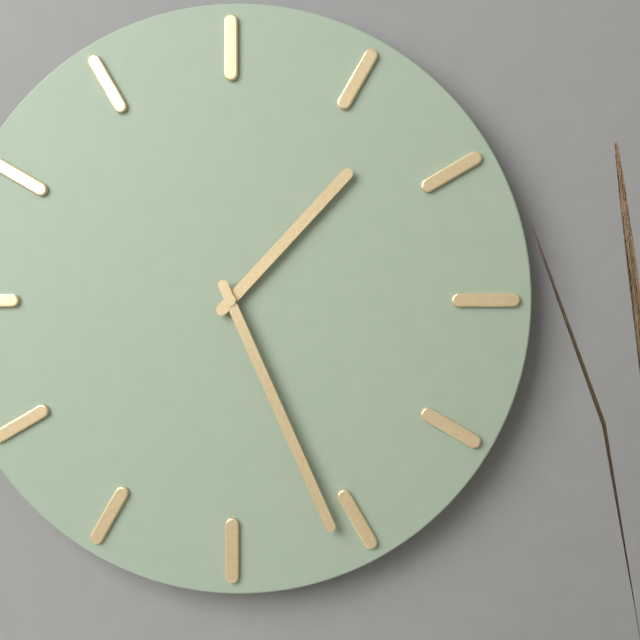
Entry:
1.26
